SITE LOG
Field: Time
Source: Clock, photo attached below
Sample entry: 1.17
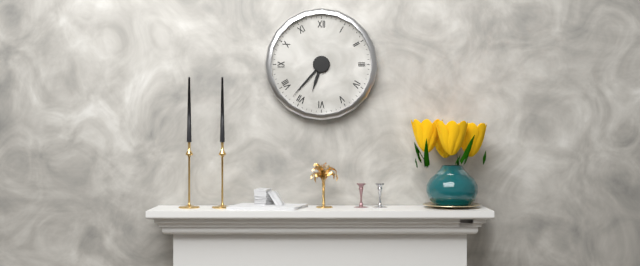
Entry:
6.37
